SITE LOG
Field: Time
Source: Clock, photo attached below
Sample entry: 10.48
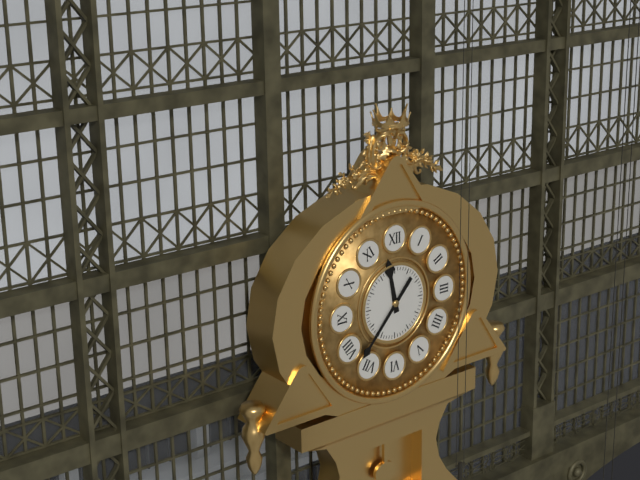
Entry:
11.37
